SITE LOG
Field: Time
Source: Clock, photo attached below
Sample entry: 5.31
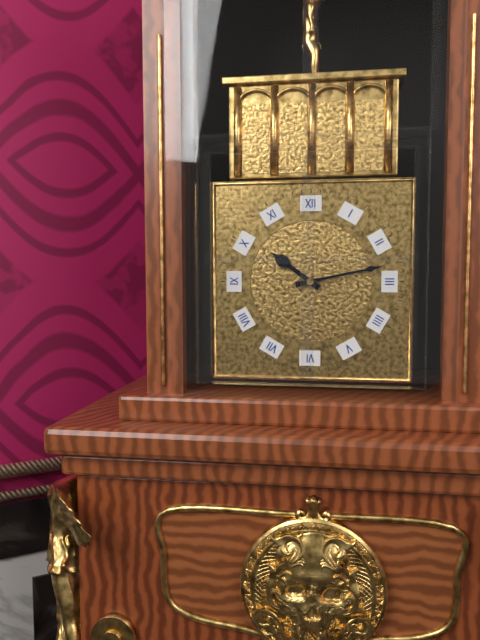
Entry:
10.13
